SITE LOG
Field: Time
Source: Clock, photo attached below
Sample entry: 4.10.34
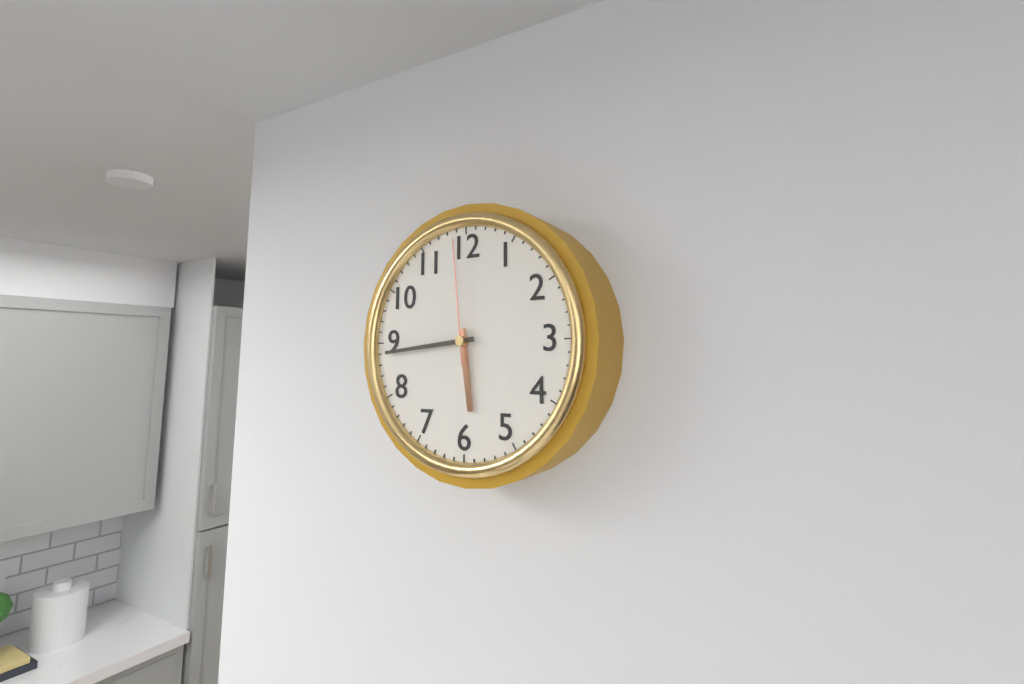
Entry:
5.44.59
